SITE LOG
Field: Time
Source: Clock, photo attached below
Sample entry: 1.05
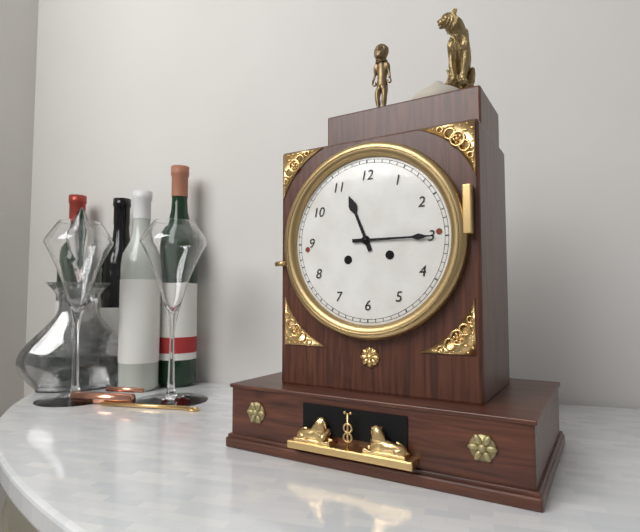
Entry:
11.15
